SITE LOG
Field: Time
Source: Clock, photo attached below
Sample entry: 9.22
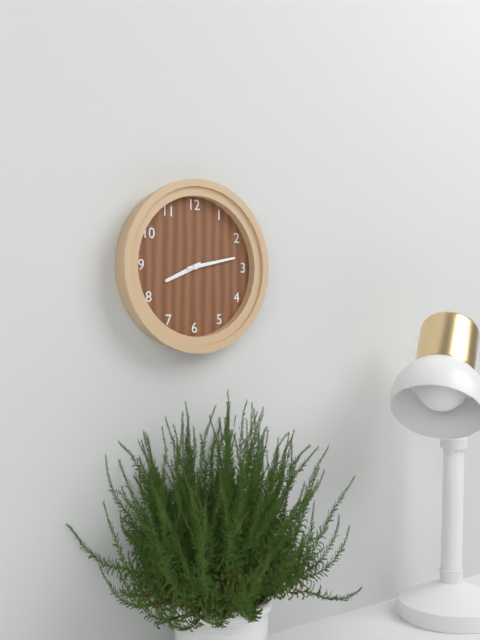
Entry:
8.13
